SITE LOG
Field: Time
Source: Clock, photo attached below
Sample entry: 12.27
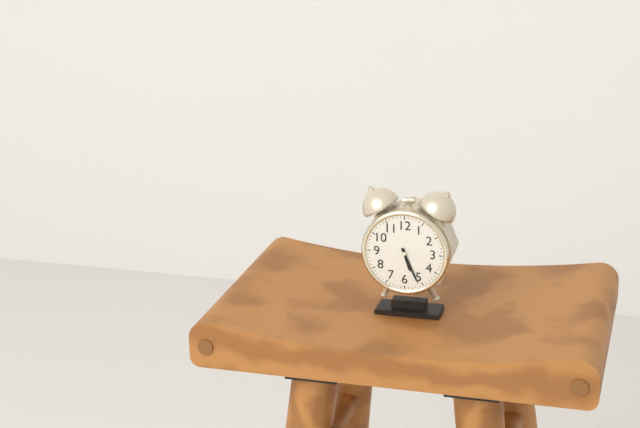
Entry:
5.26
